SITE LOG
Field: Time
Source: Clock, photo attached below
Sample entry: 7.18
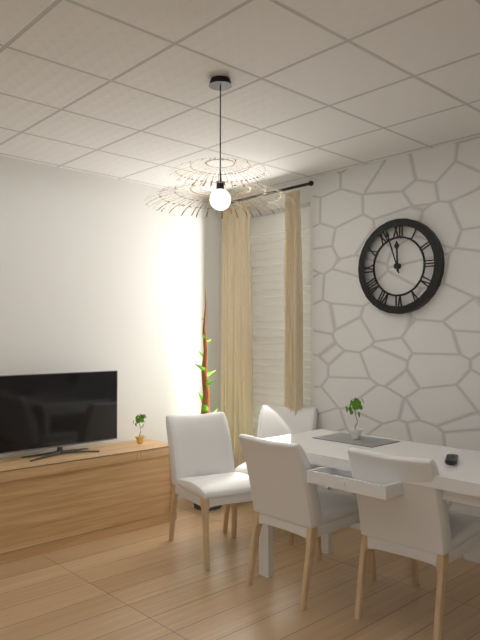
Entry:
11.57
